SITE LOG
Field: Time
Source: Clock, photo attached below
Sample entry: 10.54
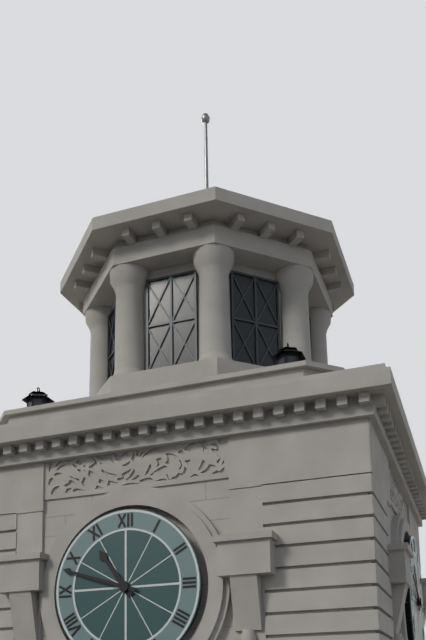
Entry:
10.48
